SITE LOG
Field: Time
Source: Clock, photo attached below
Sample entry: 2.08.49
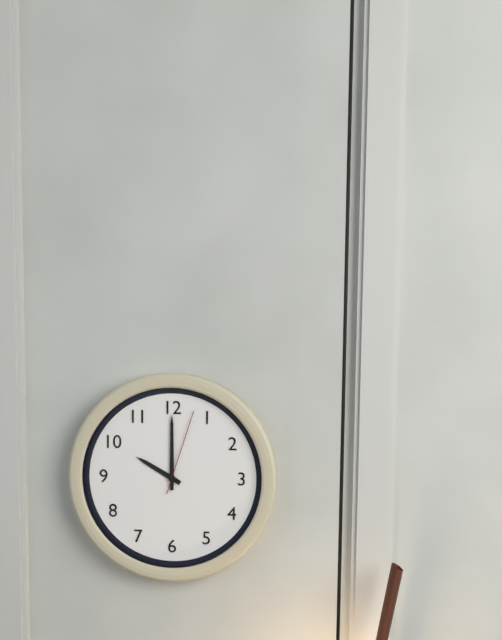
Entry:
10.00.03
